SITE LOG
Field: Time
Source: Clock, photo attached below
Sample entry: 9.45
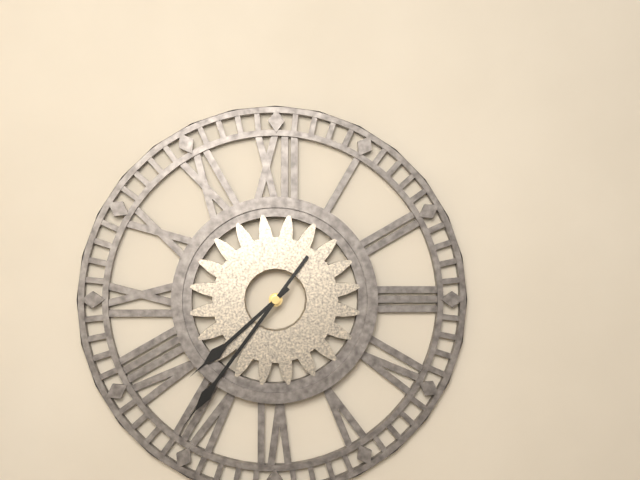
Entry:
7.36
